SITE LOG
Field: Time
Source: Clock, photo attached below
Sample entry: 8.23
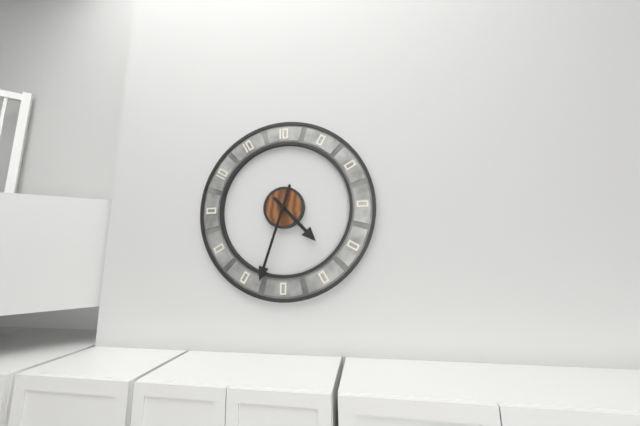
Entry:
4.33
